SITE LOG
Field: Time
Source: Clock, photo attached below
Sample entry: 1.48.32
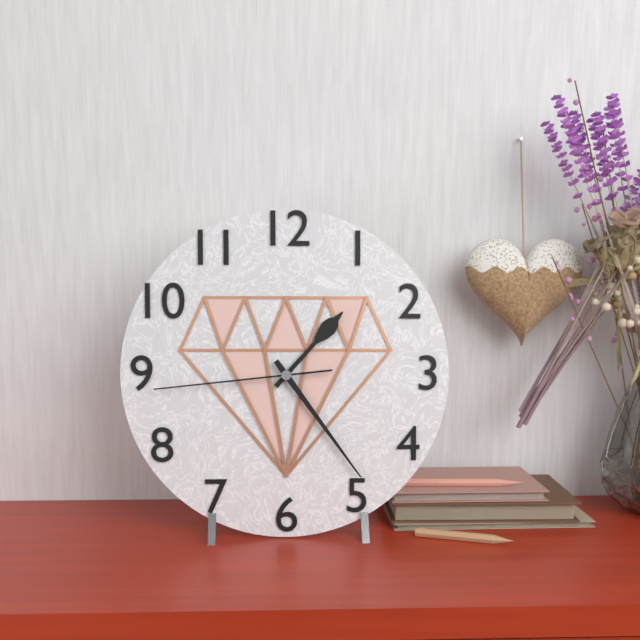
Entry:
1.24.44
